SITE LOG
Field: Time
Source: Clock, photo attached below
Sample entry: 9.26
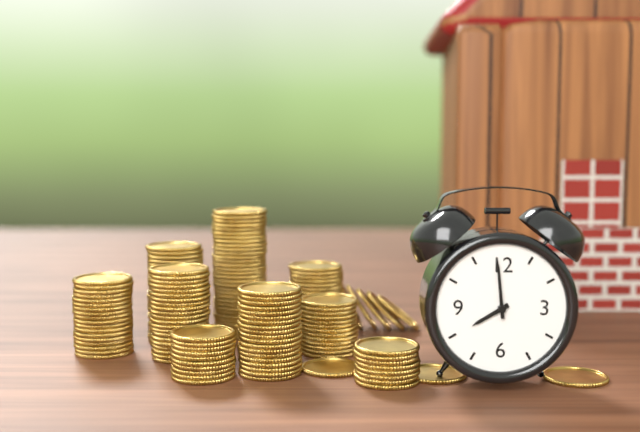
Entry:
7.59
